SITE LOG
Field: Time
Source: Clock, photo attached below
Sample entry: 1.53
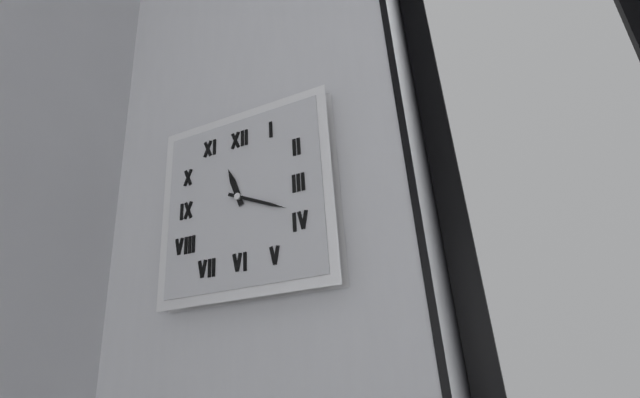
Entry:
11.19
